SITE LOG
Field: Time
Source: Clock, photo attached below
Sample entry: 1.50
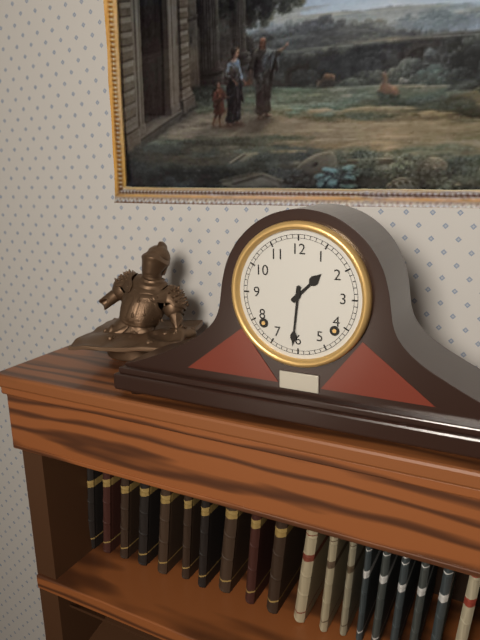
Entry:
1.31
